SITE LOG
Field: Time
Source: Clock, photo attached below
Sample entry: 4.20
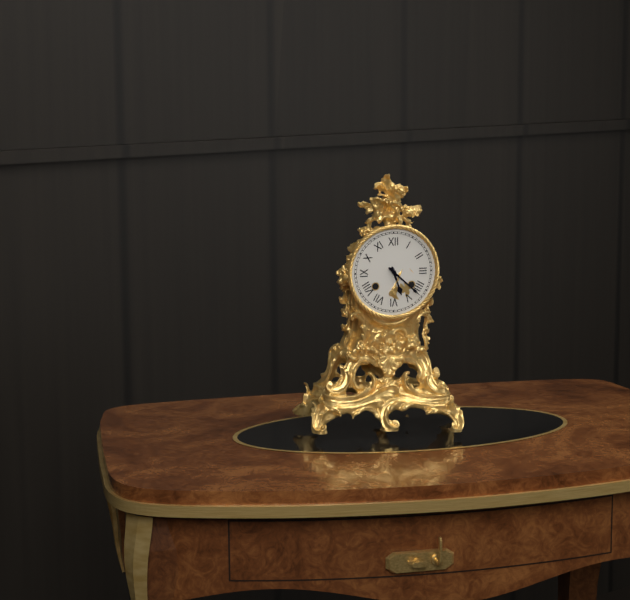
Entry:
5.22
